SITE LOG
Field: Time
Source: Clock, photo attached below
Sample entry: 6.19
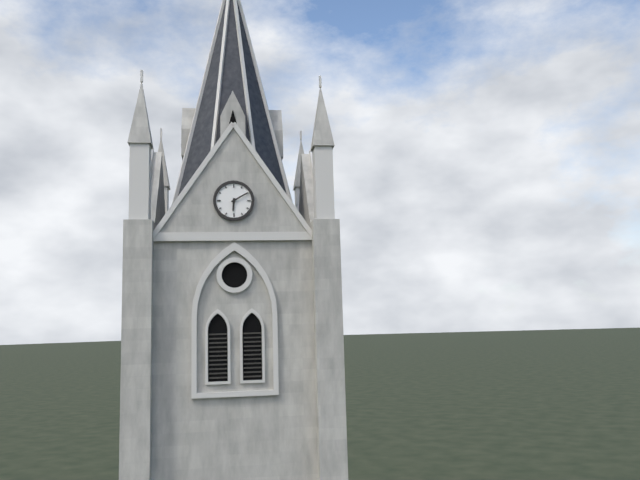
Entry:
6.10
